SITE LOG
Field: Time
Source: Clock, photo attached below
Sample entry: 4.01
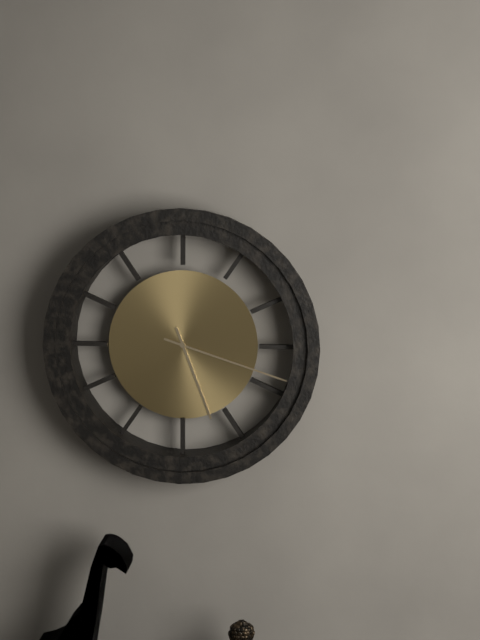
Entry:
5.18
